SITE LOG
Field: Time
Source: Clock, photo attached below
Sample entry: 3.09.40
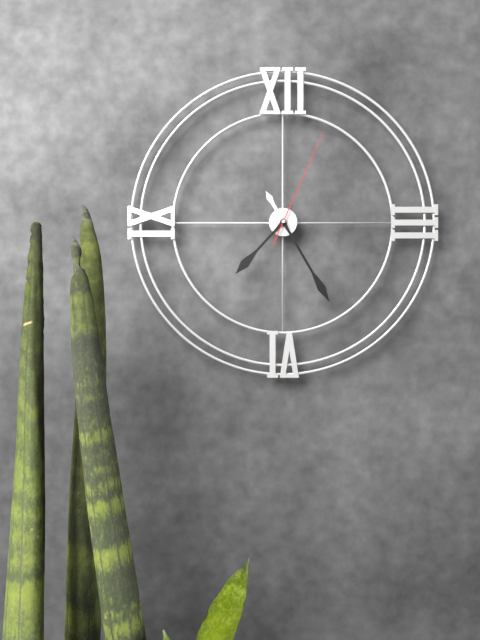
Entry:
7.25.04
